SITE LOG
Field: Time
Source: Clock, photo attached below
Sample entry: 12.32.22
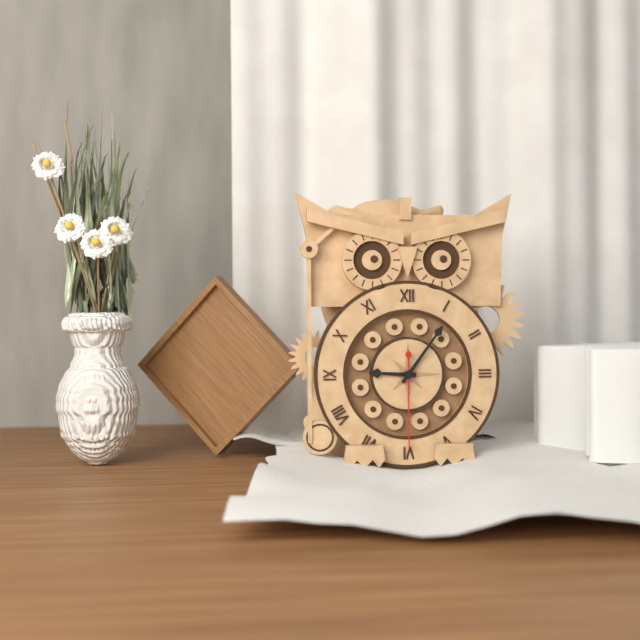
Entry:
9.06.30
